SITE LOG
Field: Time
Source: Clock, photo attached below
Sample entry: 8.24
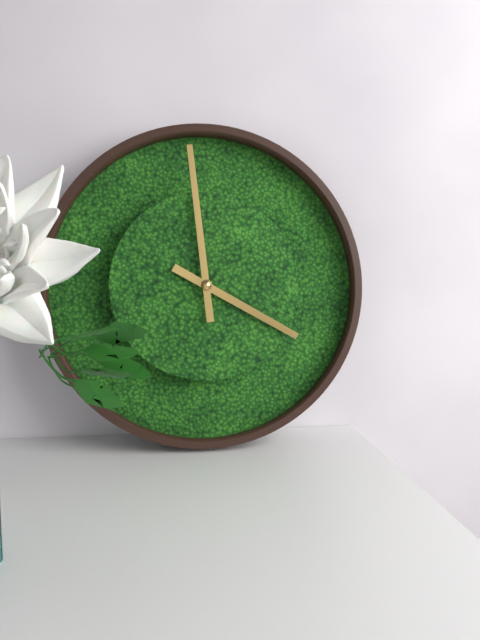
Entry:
3.59
